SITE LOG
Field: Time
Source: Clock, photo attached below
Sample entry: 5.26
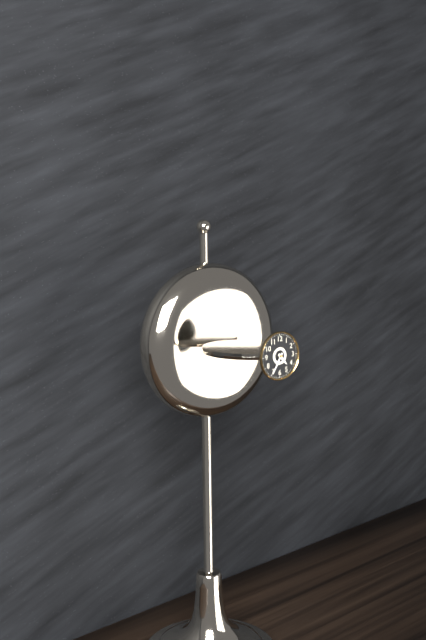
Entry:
4.35
